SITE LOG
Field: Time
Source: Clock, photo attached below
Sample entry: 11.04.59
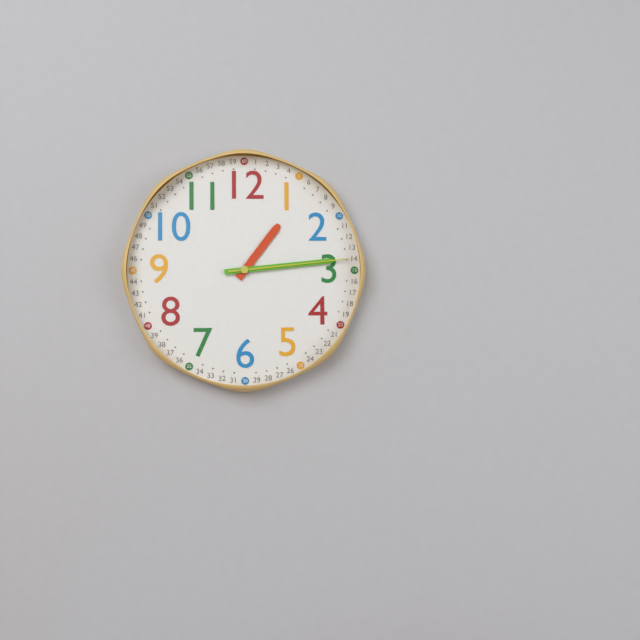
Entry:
1.14.14
